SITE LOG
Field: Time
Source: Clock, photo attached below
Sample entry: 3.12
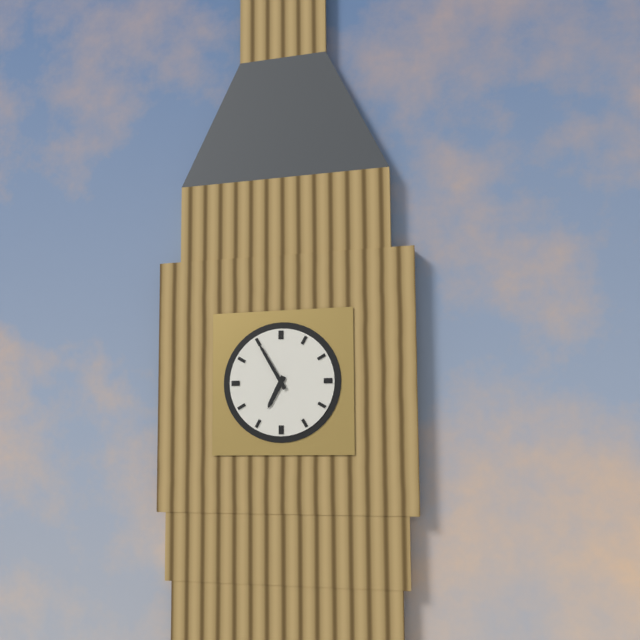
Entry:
6.55
